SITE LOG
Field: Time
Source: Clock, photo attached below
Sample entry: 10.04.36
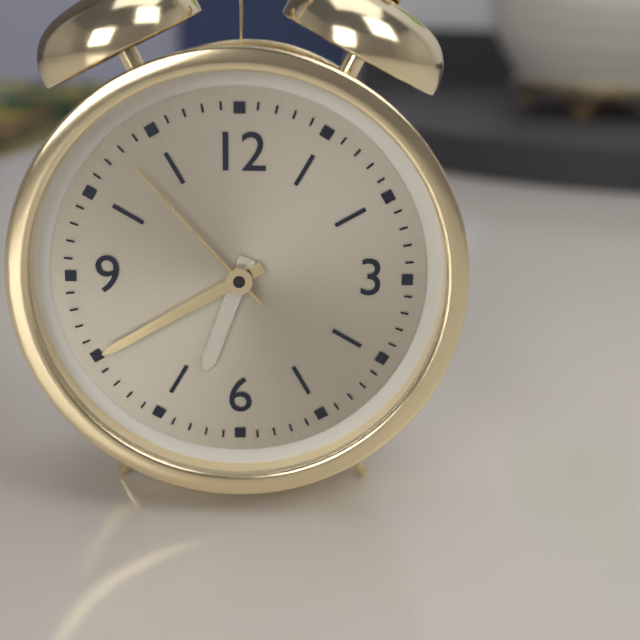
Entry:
6.40.53
